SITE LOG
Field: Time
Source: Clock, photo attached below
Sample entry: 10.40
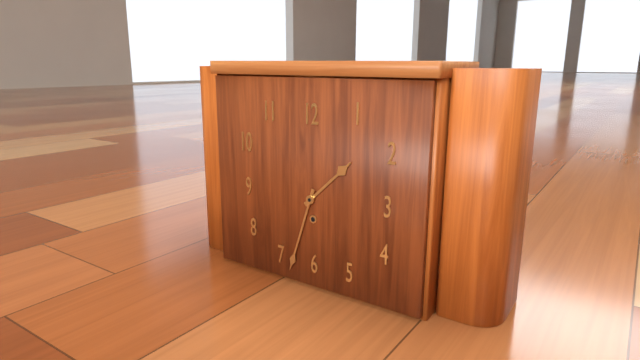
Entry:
1.33
